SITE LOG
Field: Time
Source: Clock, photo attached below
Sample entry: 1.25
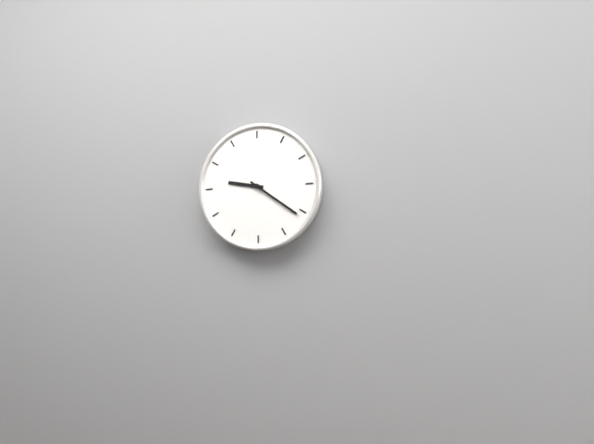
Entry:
9.21
